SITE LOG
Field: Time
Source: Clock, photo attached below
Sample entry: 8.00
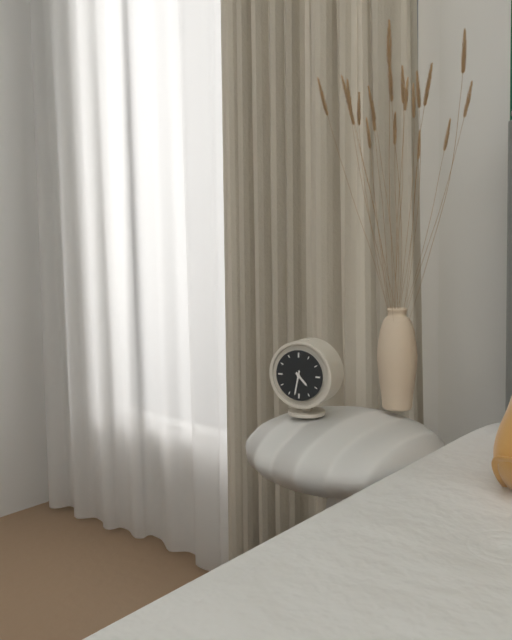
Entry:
4.32
